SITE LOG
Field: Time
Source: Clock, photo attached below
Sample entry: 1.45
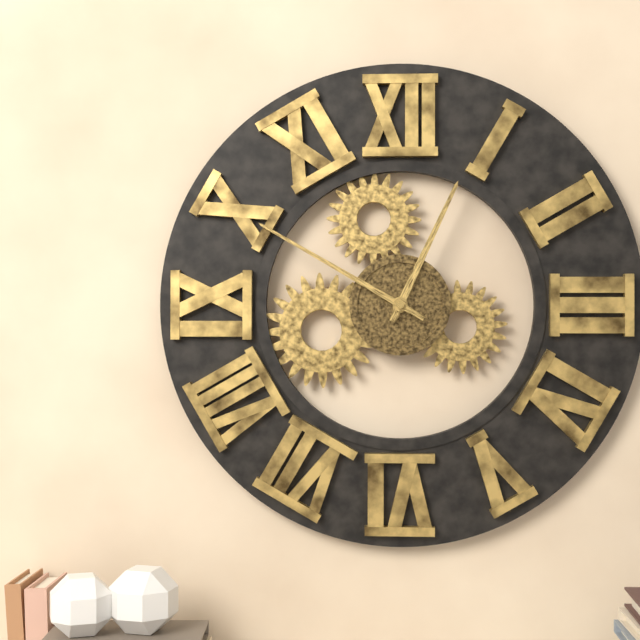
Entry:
12.50
